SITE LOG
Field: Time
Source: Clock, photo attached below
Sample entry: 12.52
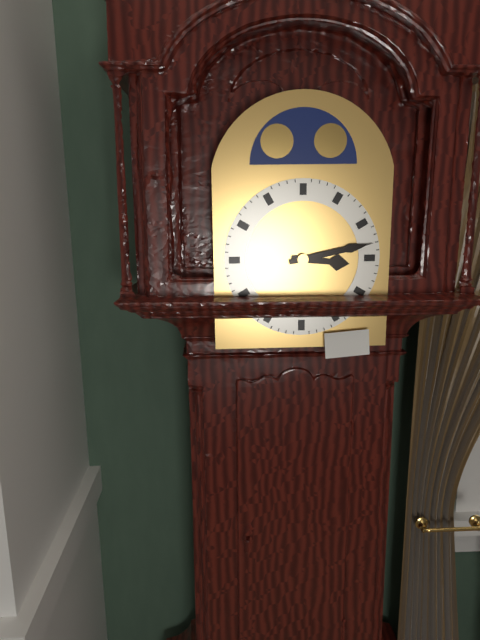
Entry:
3.13
